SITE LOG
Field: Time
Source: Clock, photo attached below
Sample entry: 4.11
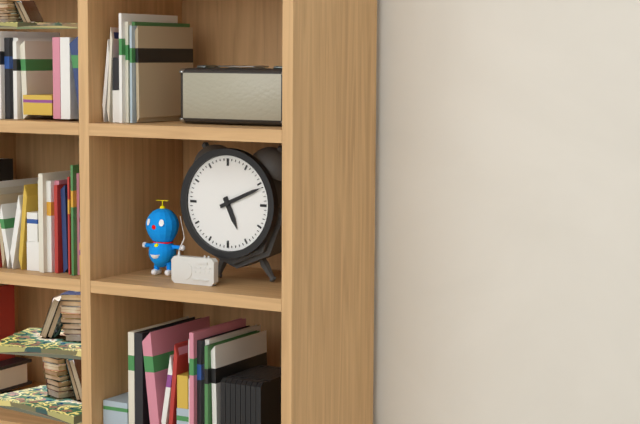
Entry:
5.11
